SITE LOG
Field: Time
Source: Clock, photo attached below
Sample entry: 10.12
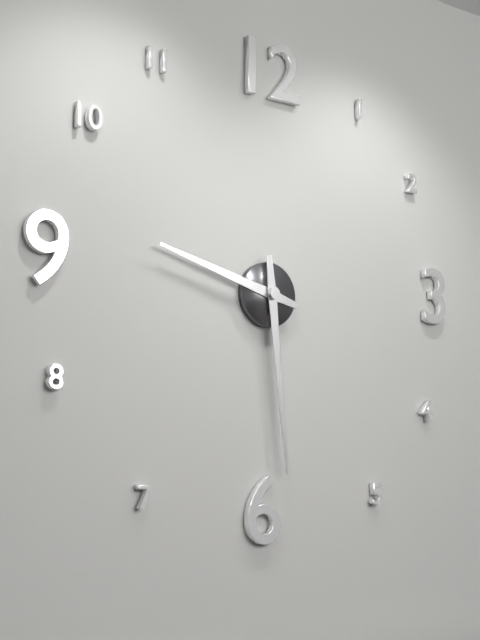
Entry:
9.29
